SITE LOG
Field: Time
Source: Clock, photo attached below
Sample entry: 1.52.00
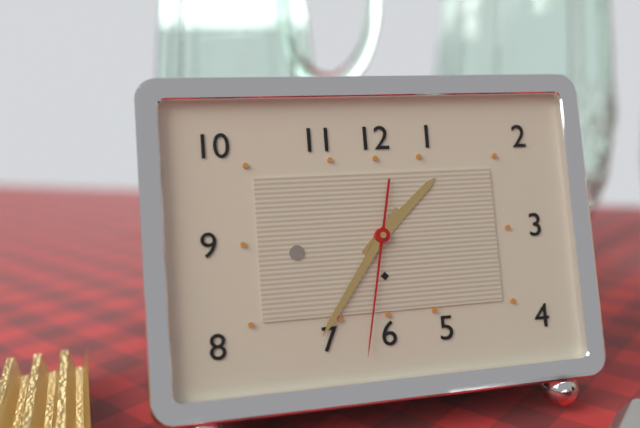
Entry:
1.36.32
